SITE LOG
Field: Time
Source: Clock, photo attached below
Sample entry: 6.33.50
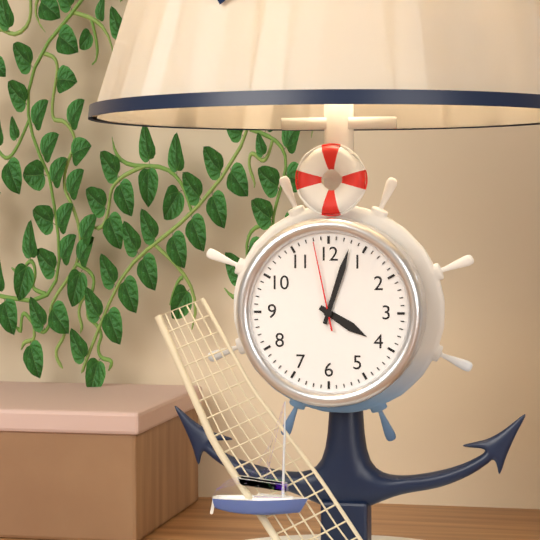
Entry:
4.03.58
